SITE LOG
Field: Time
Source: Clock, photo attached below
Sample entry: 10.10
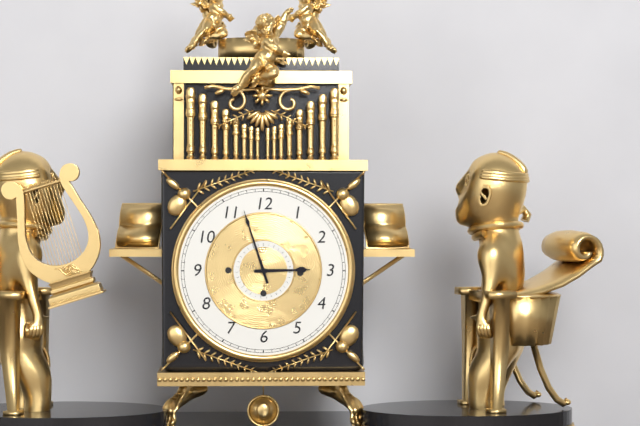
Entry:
2.57
